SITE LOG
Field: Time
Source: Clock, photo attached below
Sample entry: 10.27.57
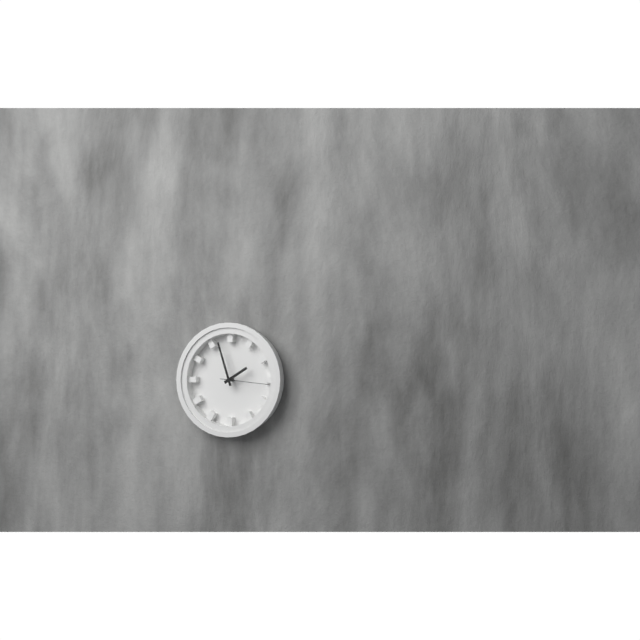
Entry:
1.57.16
